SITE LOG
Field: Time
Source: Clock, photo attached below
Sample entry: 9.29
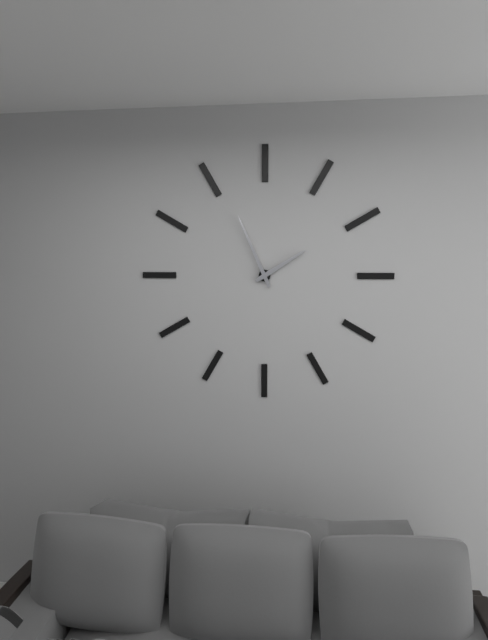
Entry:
1.56
